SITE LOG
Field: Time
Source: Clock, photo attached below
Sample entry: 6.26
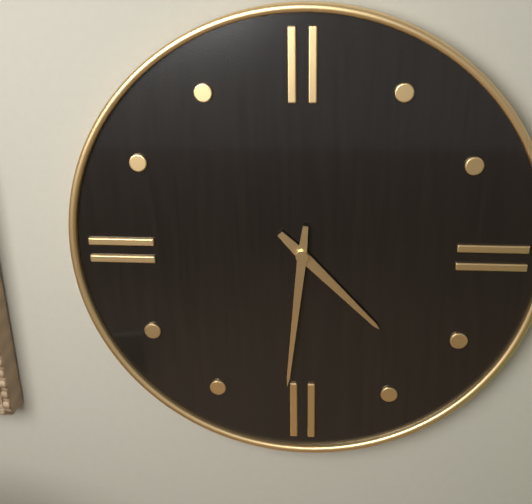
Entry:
4.31
